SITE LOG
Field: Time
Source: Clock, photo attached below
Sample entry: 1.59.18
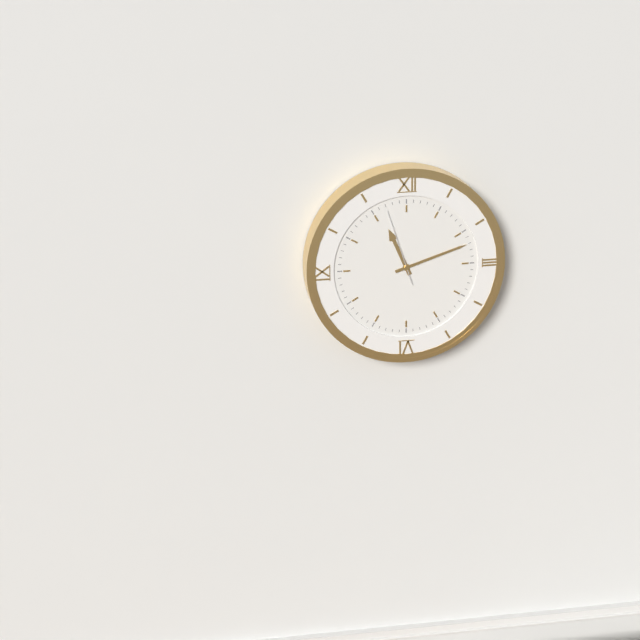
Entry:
11.12.57
